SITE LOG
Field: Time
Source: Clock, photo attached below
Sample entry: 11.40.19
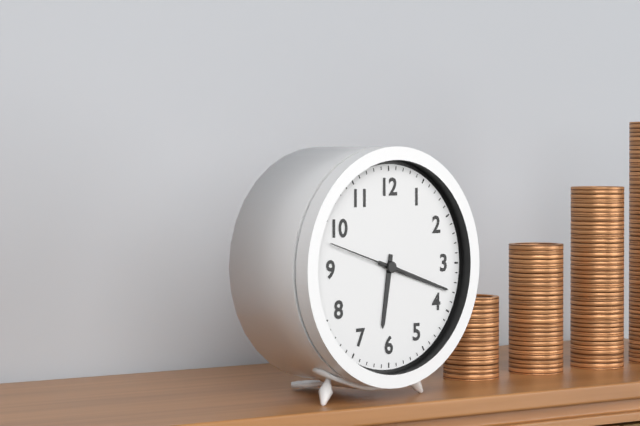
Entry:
6.18.48
